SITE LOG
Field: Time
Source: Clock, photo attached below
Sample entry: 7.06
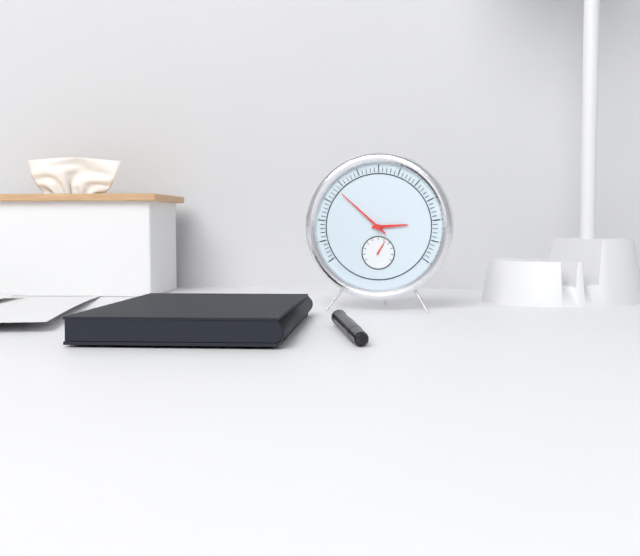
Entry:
2.52
